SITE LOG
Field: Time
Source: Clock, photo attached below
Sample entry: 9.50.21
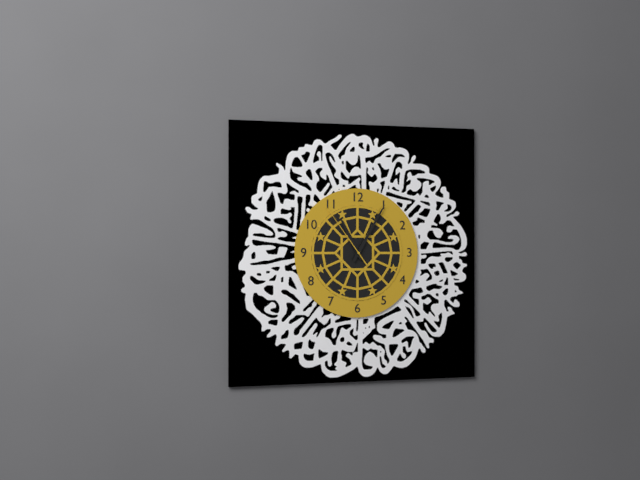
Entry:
11.05.54
